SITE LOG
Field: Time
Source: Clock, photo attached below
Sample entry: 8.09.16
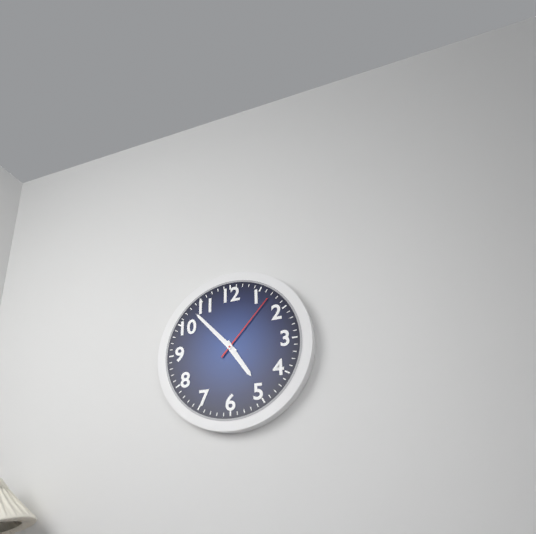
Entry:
4.53.07
